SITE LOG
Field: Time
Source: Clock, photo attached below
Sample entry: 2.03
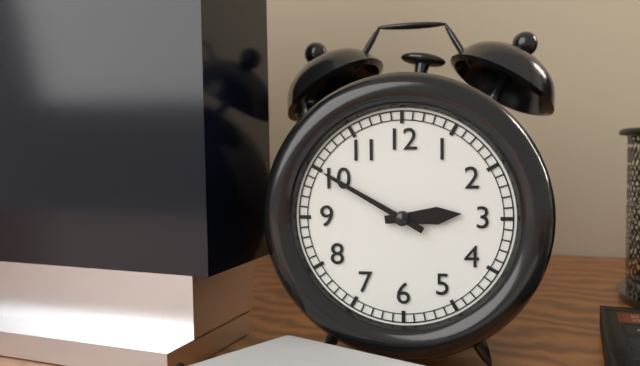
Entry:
2.50
